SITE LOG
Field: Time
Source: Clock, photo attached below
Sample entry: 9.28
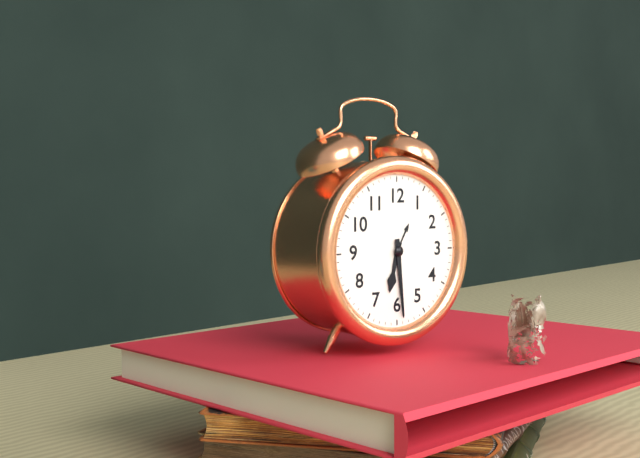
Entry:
6.29
